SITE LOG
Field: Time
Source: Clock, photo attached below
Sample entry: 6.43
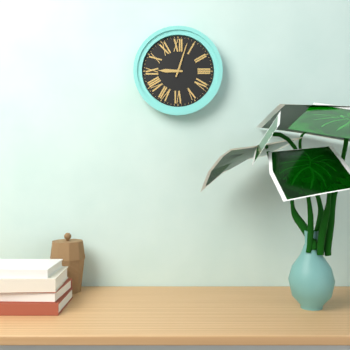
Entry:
9.03
